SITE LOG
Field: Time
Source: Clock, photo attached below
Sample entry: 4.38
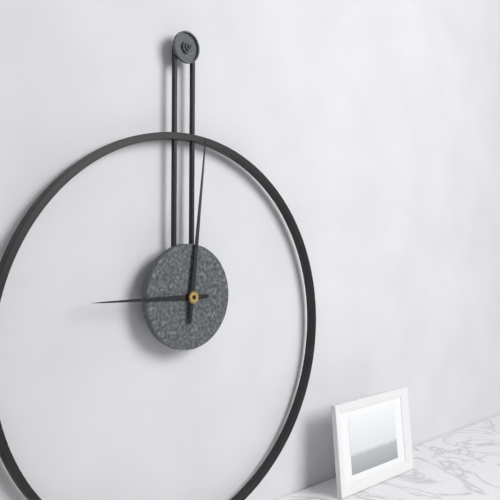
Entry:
9.01
